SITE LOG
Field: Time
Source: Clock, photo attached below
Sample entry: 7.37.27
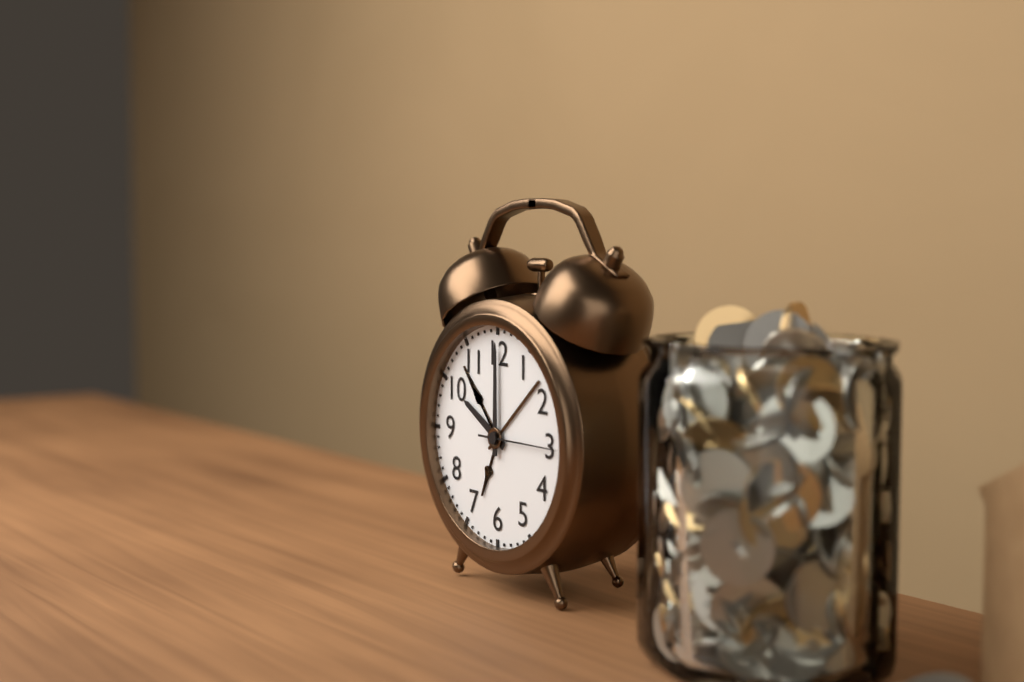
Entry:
10.00.15
